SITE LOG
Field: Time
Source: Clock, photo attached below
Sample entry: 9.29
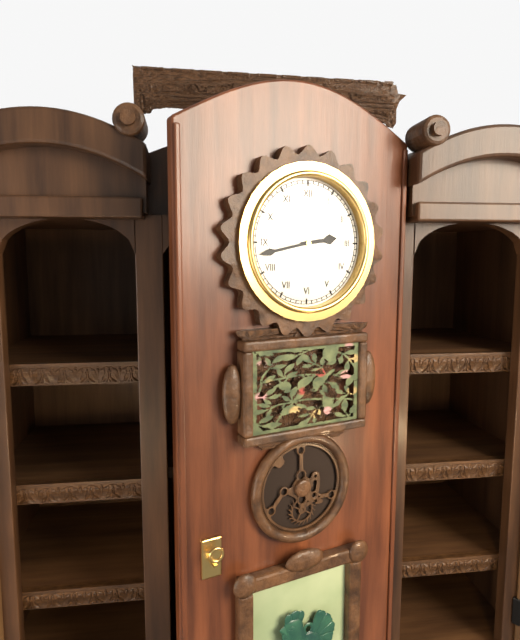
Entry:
2.43
